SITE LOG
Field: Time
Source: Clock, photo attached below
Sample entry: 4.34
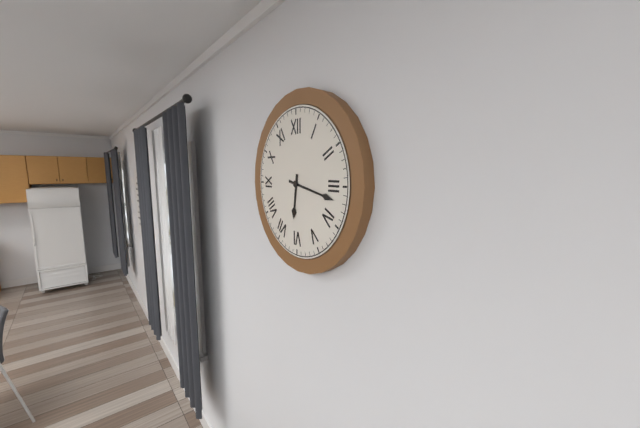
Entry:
6.17
